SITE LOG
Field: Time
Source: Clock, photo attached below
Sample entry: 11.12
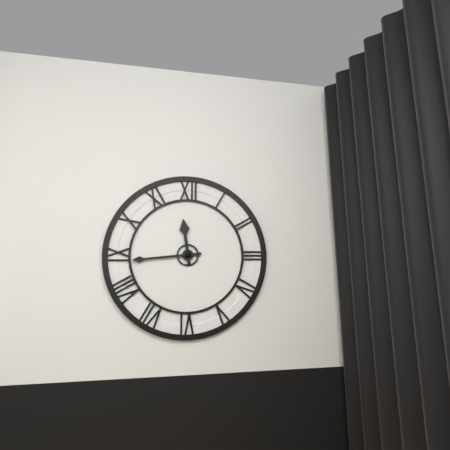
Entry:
11.44
